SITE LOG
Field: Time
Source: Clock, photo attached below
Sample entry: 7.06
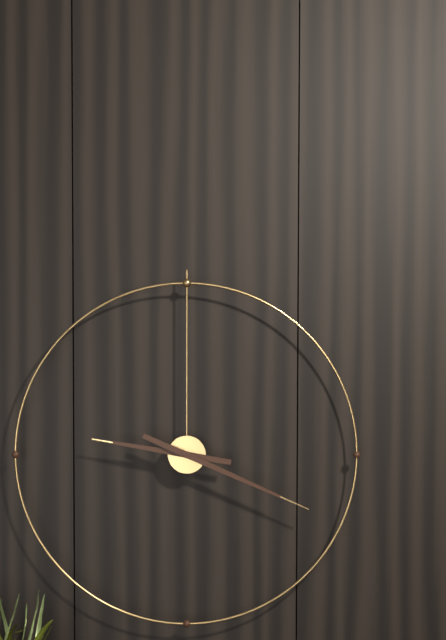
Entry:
9.19
